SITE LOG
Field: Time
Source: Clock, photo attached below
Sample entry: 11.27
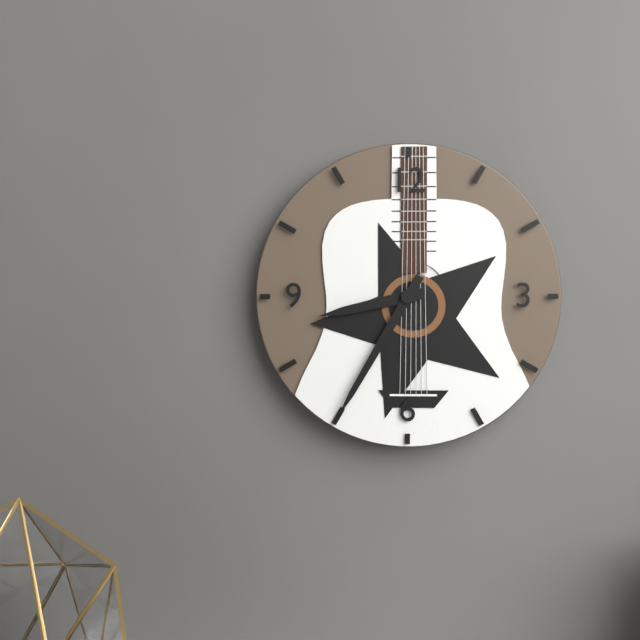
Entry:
8.35
